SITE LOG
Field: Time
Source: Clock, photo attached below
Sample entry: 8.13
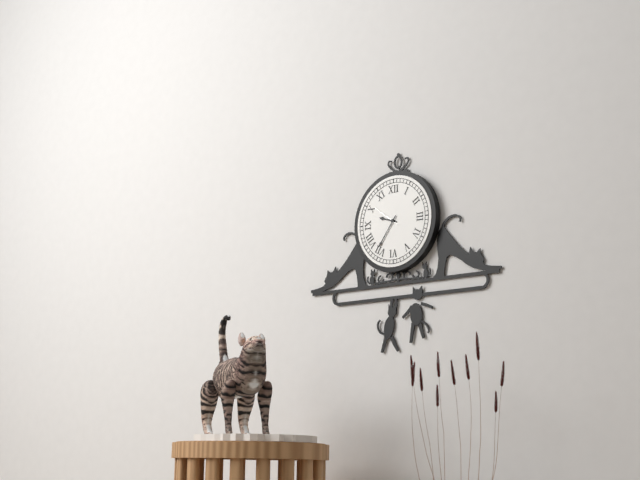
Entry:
9.36
